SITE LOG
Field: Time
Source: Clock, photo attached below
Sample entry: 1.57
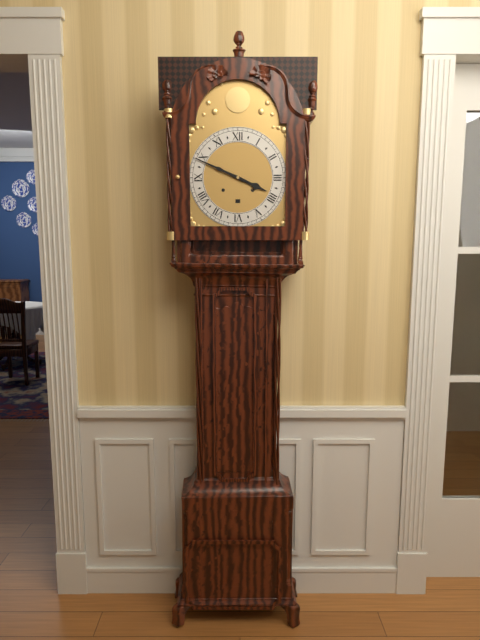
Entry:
3.49
